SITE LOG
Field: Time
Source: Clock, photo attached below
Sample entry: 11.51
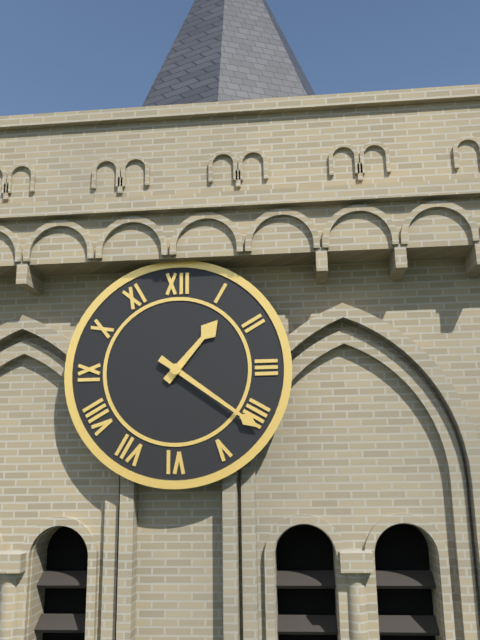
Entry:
1.21
